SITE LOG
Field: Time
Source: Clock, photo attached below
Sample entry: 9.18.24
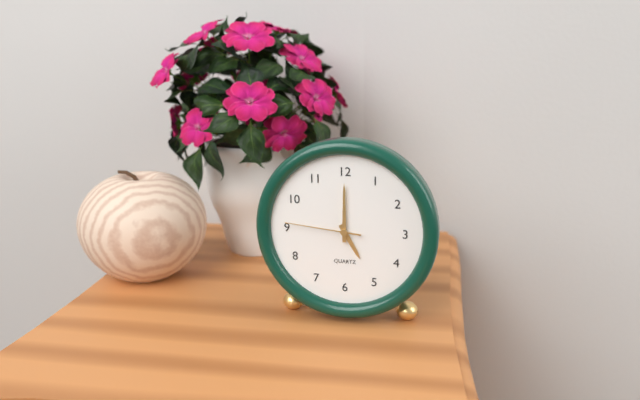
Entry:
5.00.46
